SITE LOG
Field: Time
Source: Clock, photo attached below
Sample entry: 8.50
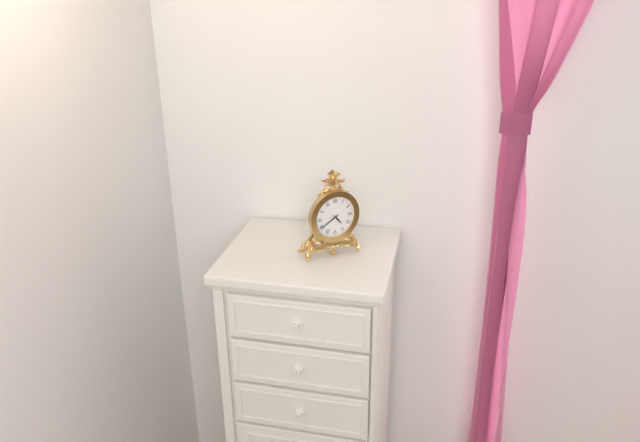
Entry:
4.40
